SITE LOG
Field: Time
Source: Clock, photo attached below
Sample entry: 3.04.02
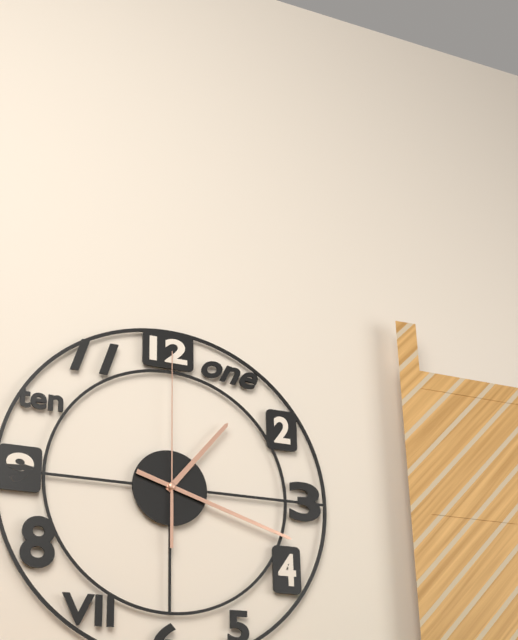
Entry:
1.18.00
